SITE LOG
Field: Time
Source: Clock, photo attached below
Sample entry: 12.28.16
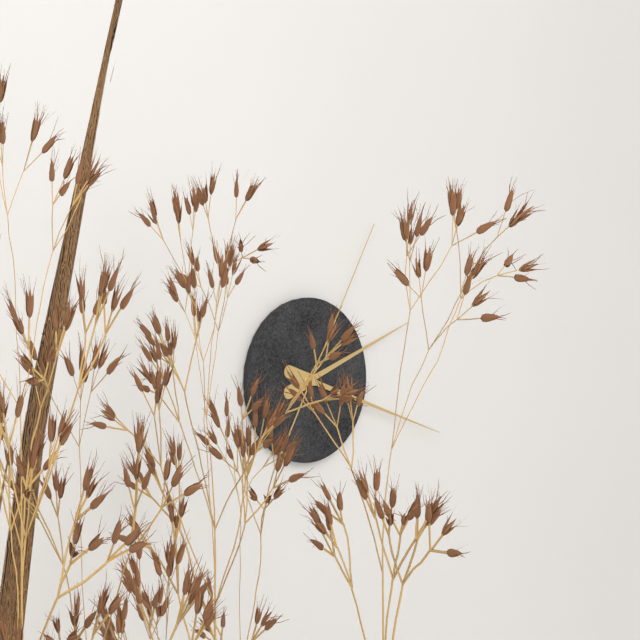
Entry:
2.18.05
